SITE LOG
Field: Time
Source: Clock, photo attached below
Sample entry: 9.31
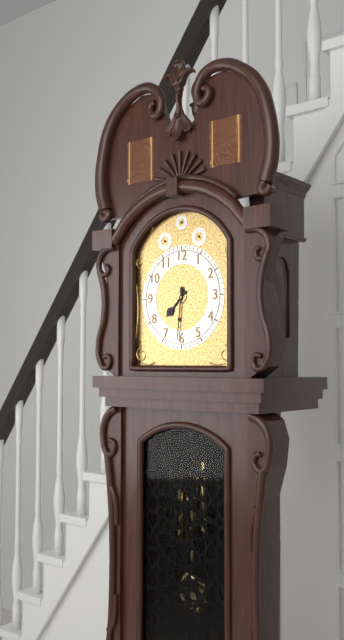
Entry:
7.31
